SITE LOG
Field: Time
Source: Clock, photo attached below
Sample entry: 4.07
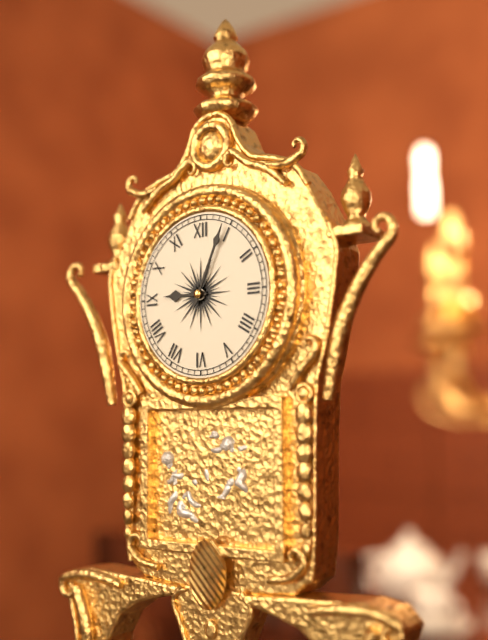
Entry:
9.04
